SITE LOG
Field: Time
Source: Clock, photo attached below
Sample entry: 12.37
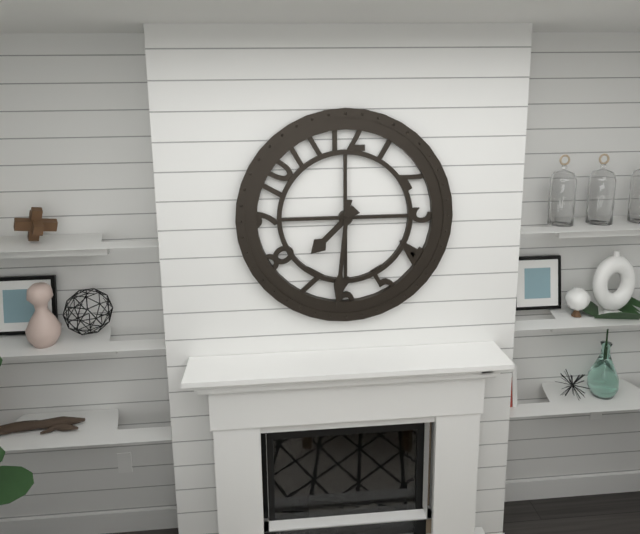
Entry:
7.31
